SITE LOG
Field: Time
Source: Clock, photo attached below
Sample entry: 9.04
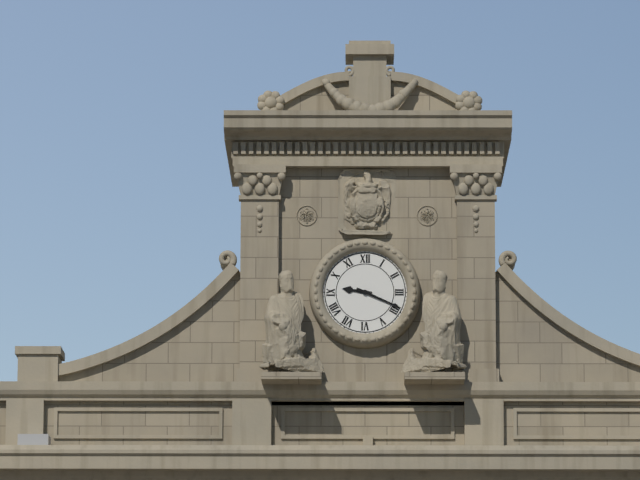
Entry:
9.19
